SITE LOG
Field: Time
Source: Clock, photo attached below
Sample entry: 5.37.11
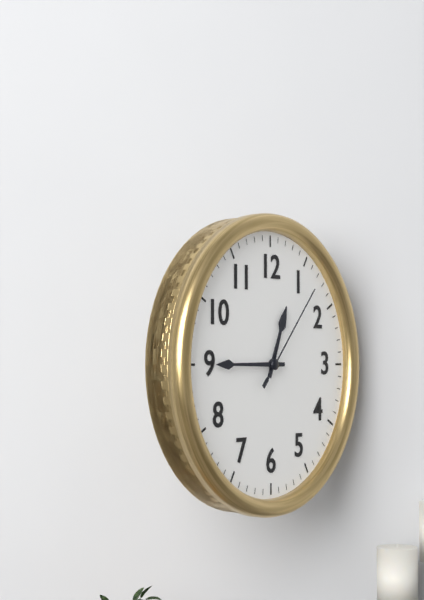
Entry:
12.45.07
